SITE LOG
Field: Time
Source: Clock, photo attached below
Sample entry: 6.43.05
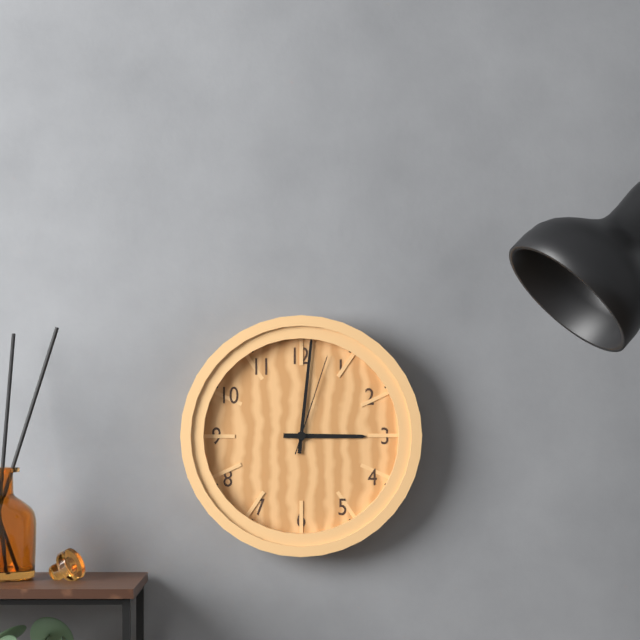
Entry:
3.01.03
